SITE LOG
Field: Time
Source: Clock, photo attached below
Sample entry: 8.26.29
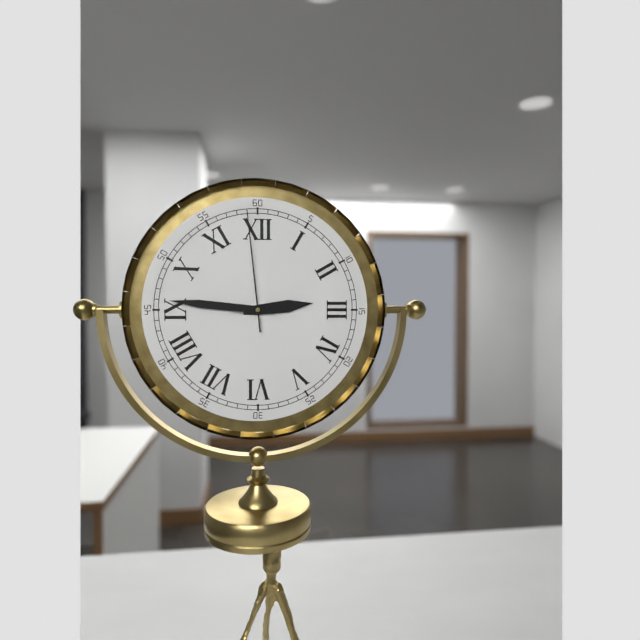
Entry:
2.46.59
